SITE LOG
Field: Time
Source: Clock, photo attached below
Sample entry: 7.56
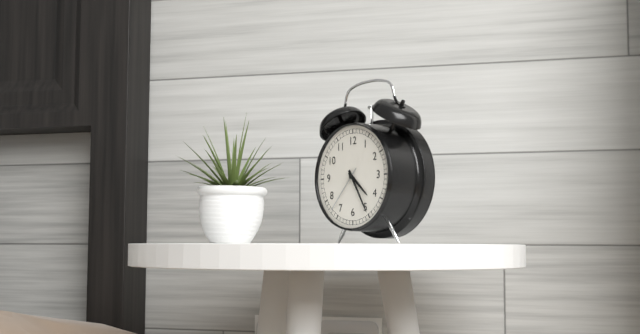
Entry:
4.25
